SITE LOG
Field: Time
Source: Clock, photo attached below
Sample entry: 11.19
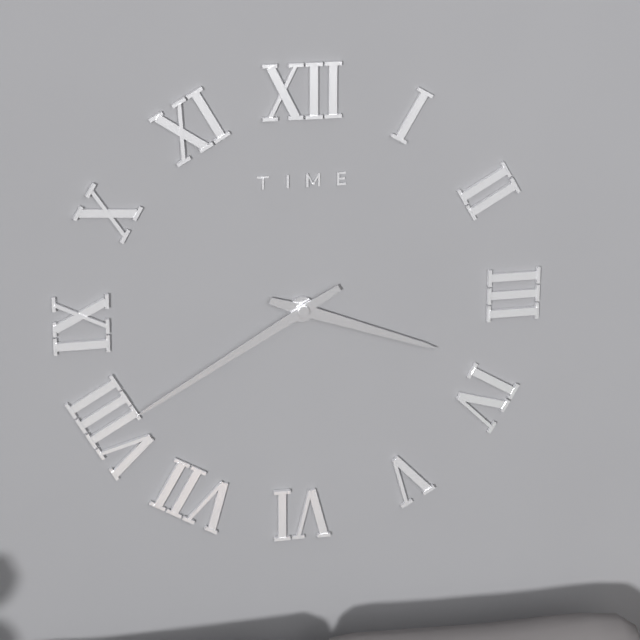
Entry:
3.40
